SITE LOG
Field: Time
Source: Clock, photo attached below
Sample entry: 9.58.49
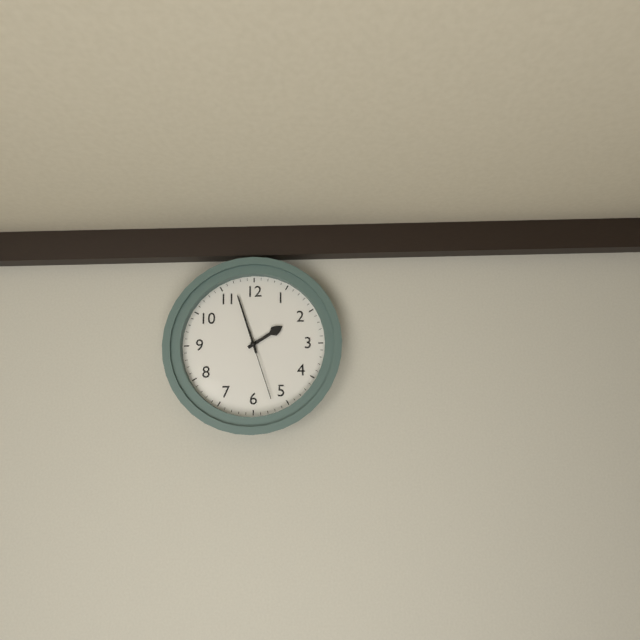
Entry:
1.57.27
